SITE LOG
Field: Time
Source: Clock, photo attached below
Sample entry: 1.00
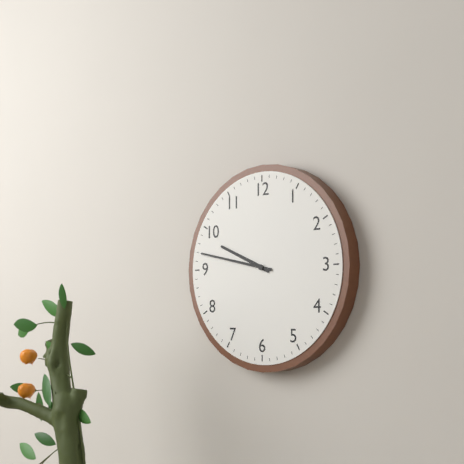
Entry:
9.47
